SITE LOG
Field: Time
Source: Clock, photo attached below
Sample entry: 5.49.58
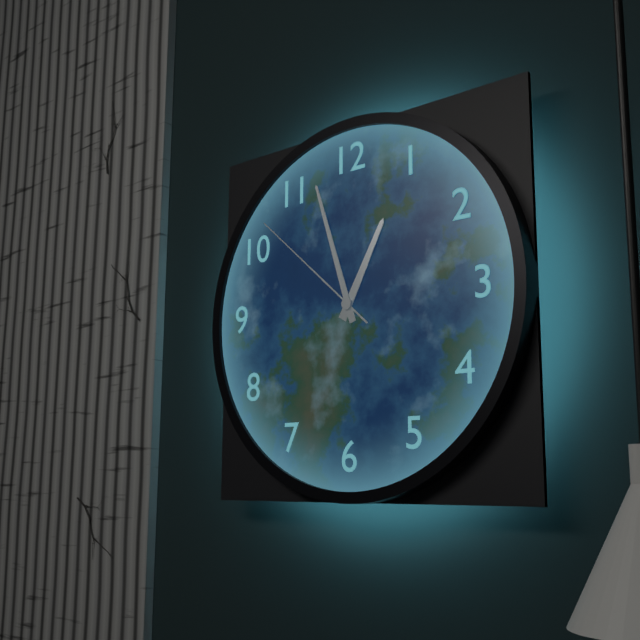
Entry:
12.57.52
